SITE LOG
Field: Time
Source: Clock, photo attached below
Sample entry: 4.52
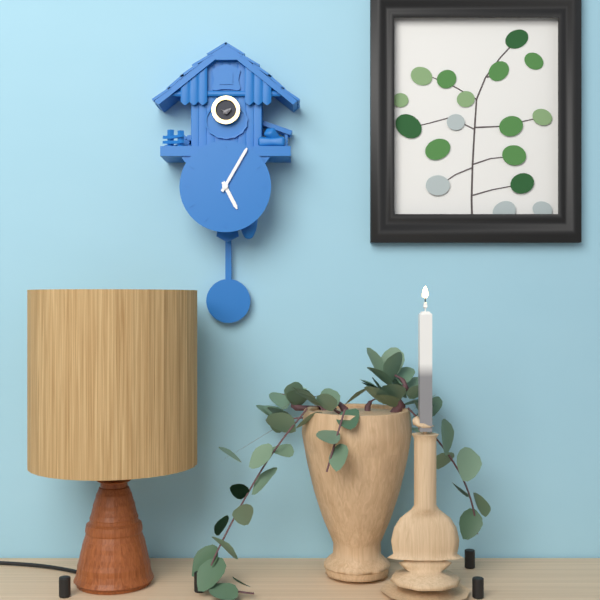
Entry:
5.05
